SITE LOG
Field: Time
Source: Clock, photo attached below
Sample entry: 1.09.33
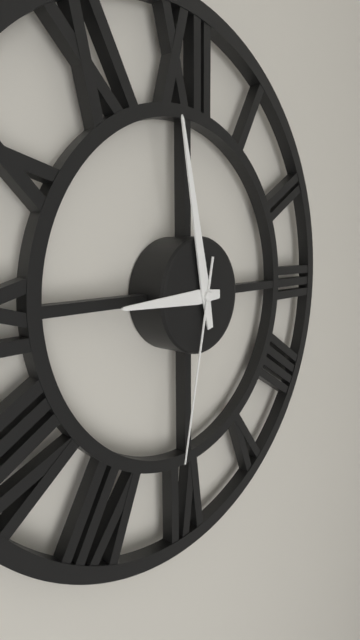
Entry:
8.58.32
